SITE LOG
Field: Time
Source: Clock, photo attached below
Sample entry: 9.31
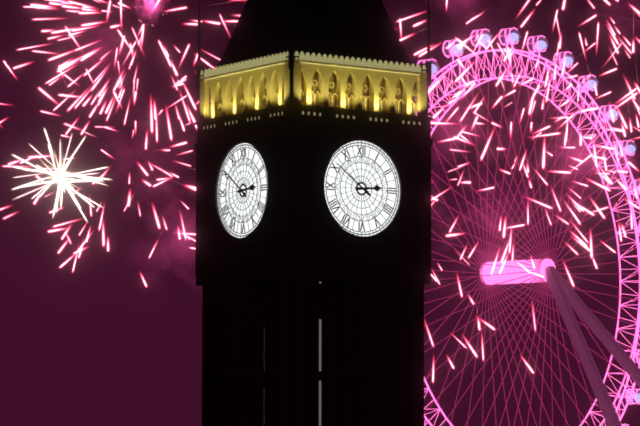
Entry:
2.51
